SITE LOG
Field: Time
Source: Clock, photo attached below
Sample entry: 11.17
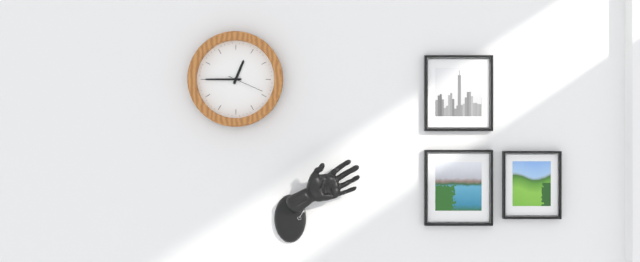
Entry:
12.45
